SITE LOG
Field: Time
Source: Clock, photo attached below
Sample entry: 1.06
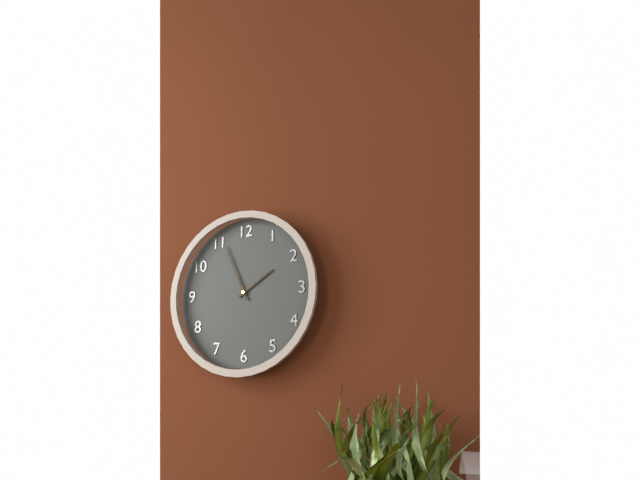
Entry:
1.56
